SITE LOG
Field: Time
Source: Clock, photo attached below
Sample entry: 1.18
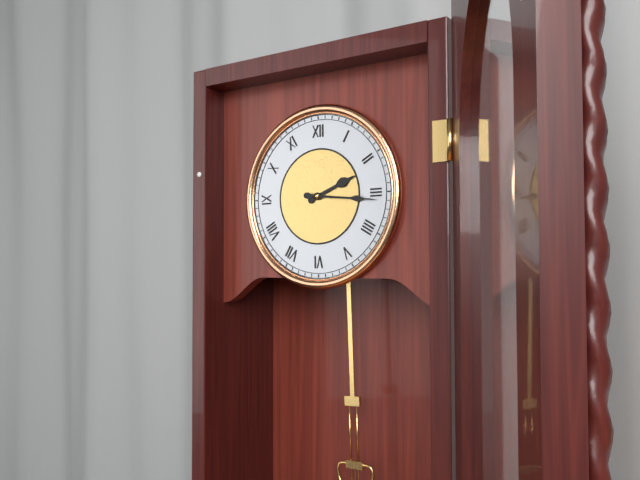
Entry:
2.16
